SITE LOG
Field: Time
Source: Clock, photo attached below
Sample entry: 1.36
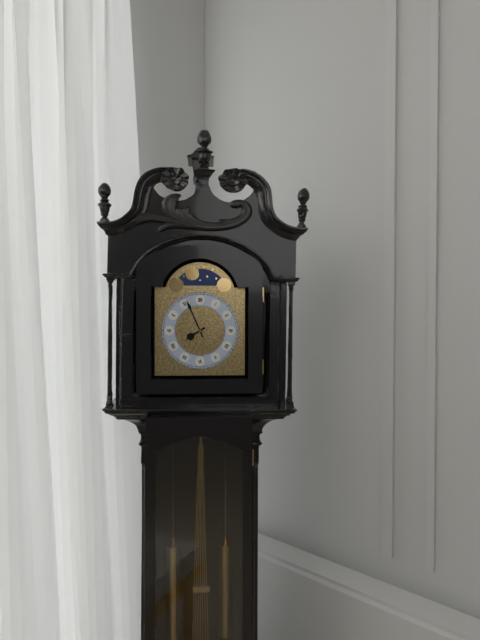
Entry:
7.56
